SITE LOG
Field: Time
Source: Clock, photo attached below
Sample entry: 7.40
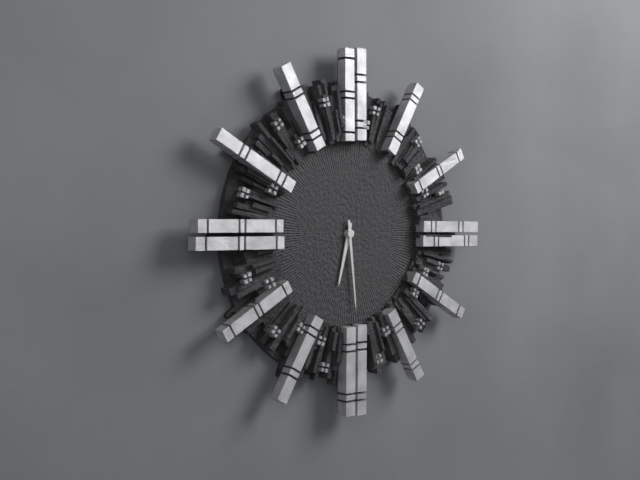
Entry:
6.29
